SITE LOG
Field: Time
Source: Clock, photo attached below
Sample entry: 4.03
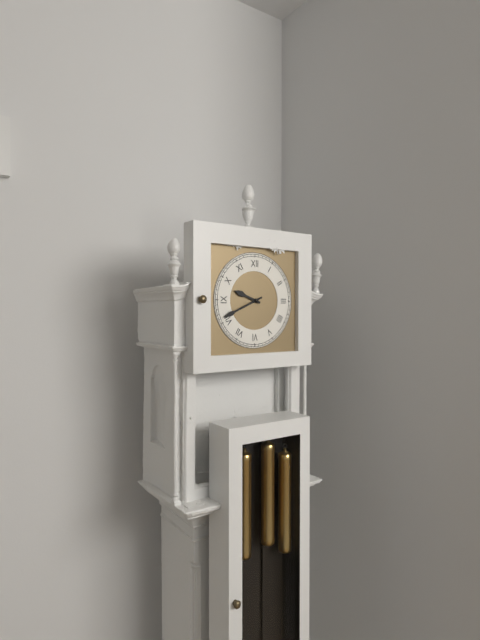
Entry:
9.41
